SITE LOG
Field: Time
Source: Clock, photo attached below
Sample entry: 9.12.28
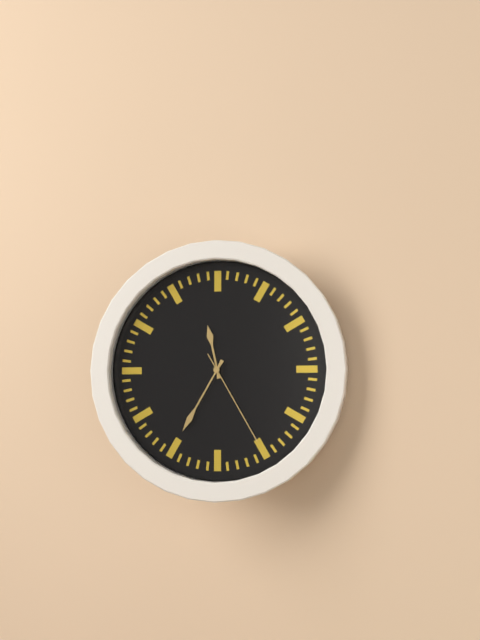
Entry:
11.35.25
